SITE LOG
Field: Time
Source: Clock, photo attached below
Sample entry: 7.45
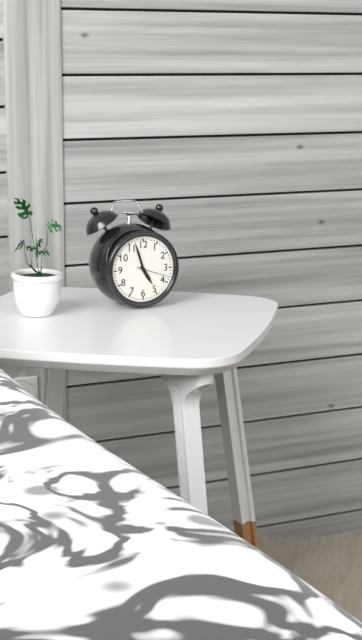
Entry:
4.57
